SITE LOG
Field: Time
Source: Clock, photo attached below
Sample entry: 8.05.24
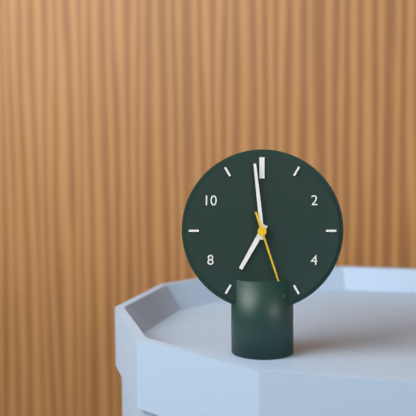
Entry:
6.59.27
